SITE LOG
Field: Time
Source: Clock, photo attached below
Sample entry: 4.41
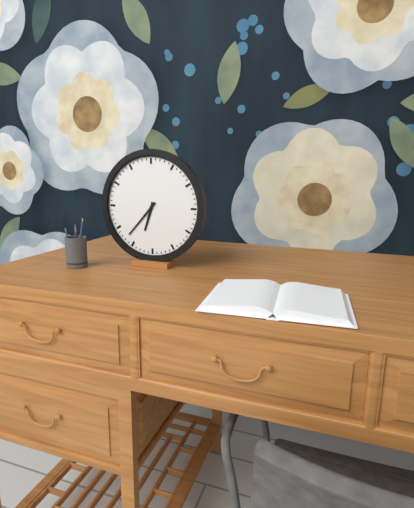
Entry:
6.37
